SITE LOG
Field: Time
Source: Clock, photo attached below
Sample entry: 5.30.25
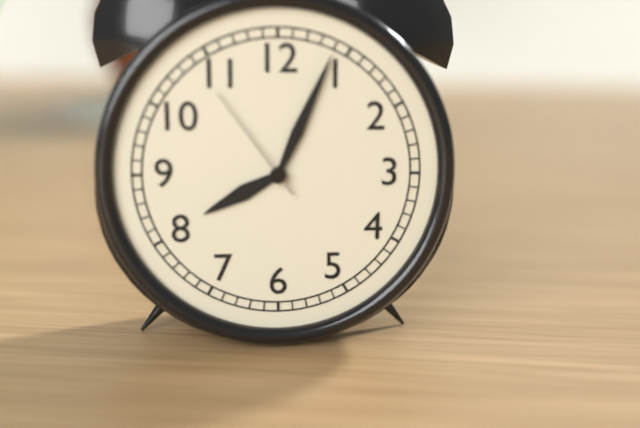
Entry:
8.04.54
